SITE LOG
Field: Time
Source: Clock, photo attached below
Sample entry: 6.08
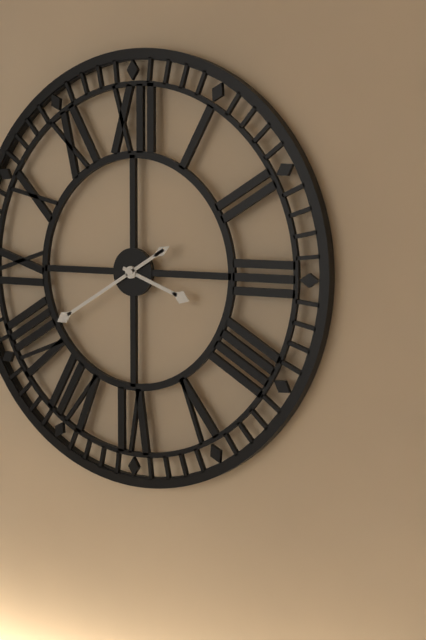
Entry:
3.40
